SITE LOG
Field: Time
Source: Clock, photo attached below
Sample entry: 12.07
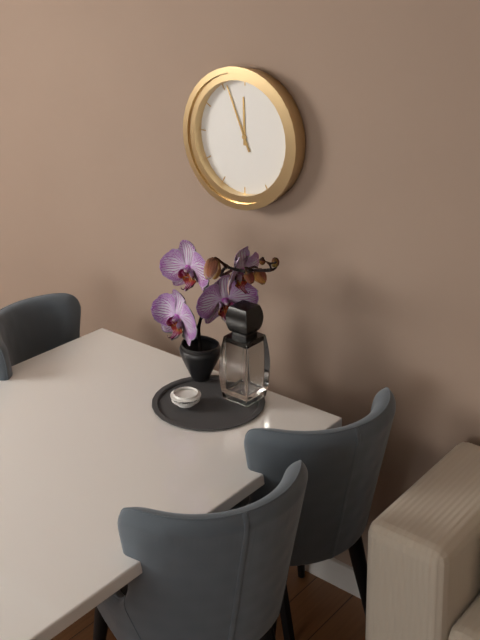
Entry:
11.56
